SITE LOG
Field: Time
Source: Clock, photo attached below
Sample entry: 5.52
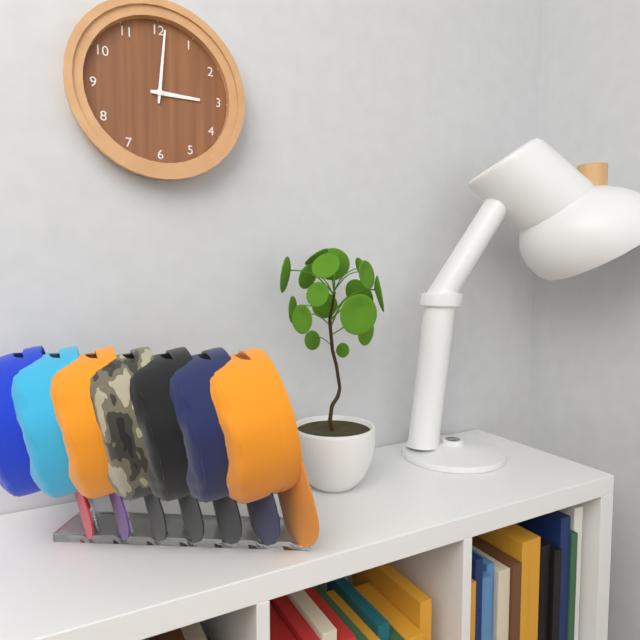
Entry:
3.01
